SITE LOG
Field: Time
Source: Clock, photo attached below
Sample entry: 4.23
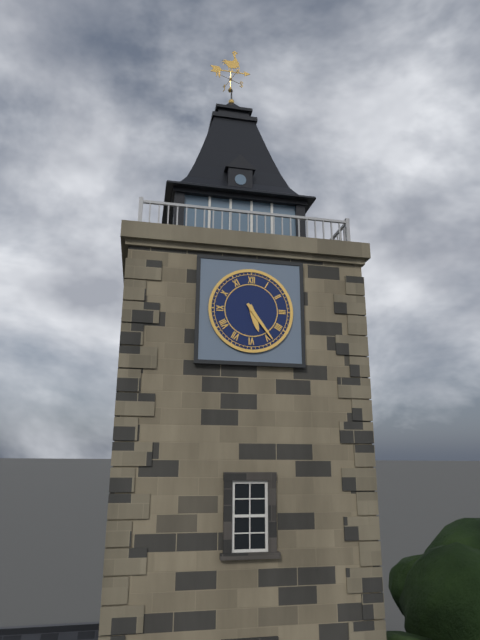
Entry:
5.24
